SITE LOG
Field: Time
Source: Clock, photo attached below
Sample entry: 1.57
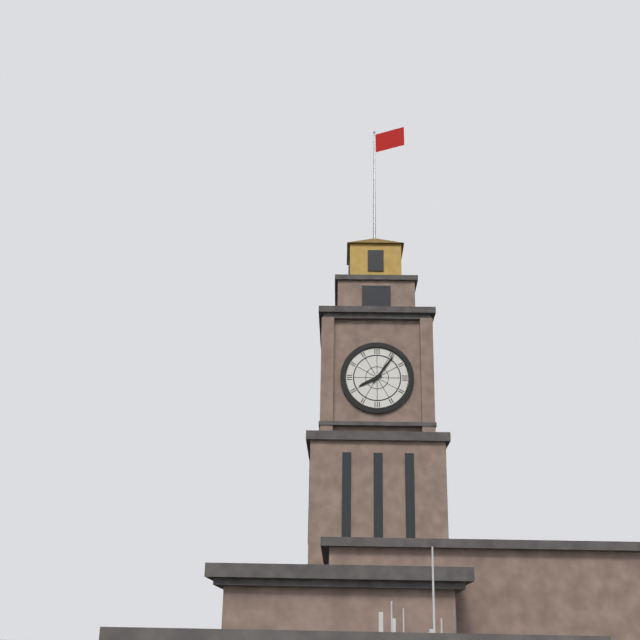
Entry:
8.06
